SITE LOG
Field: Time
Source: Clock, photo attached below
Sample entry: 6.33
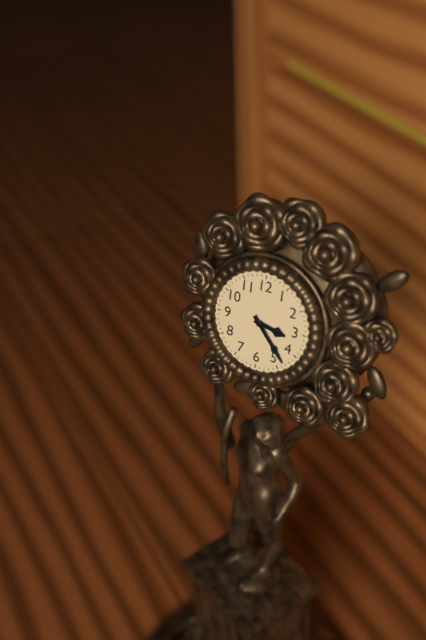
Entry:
3.23
